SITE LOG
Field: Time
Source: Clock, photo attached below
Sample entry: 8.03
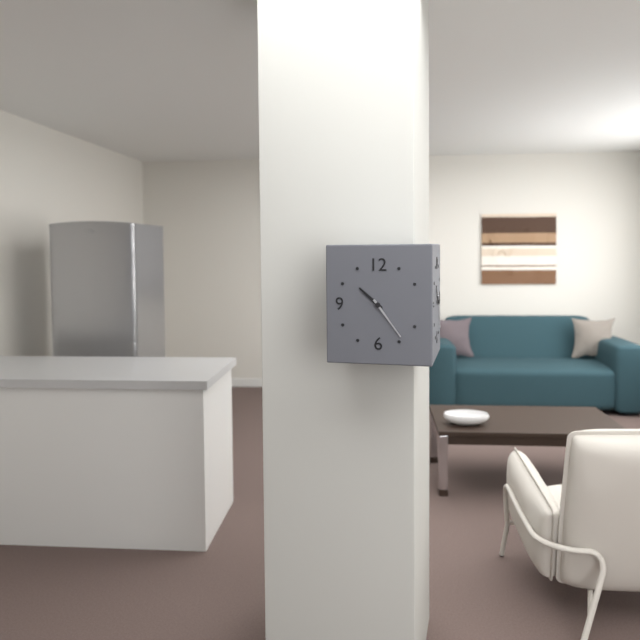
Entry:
10.24
